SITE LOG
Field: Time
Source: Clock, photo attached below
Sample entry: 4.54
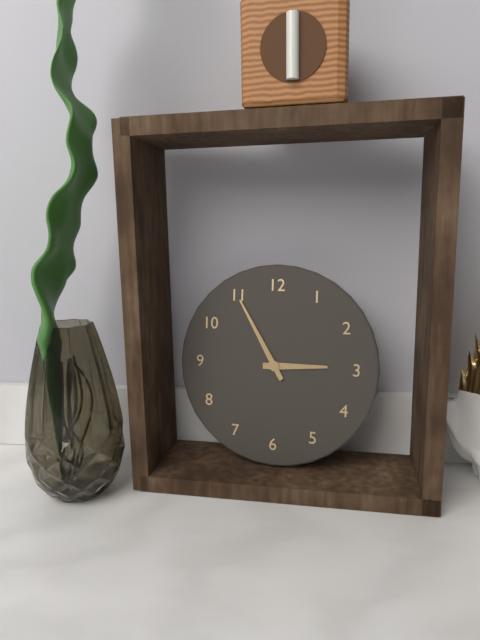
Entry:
2.55
